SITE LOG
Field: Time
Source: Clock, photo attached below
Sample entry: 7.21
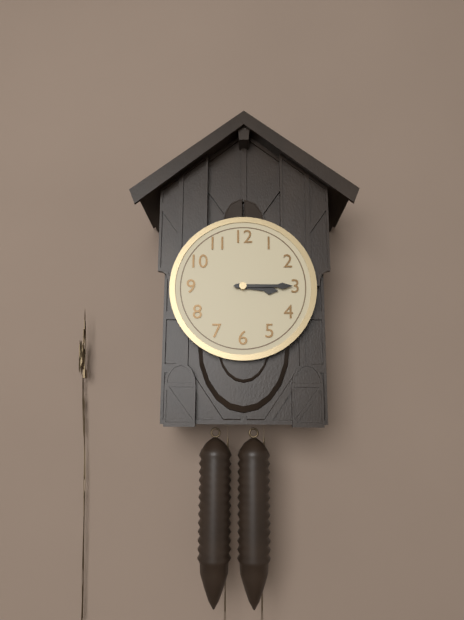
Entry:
3.15
